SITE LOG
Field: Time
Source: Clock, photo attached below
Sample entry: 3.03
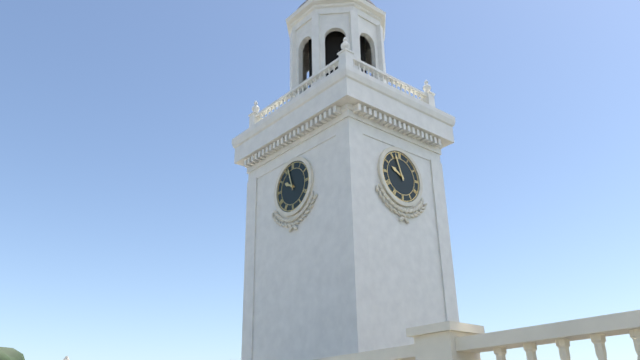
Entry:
9.57
